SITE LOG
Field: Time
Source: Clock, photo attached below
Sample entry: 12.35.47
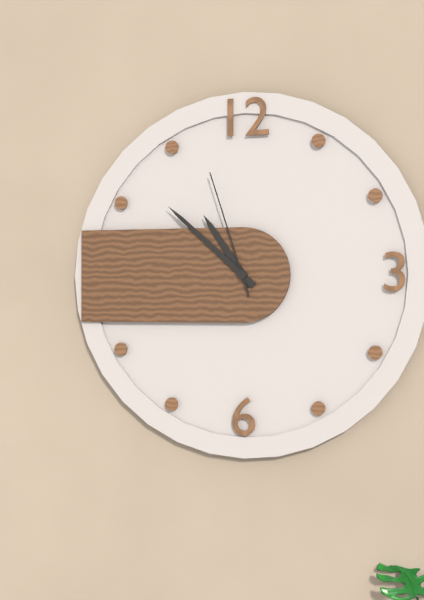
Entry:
10.52.57
